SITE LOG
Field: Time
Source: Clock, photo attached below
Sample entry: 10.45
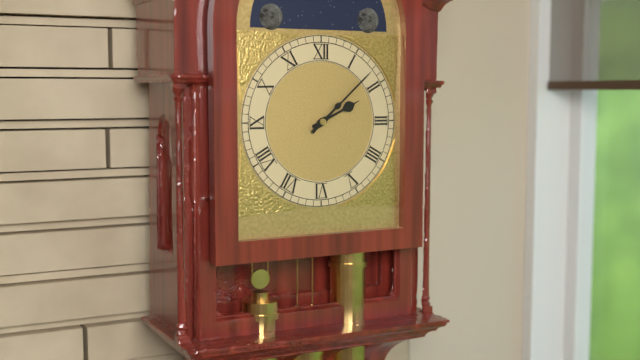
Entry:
2.08
